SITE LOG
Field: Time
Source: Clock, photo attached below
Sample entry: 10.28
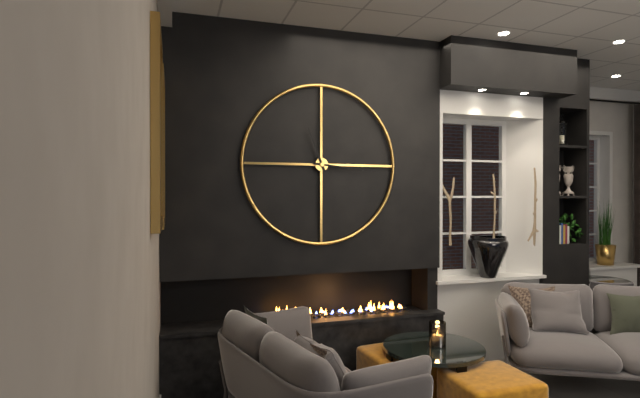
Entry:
11.16
